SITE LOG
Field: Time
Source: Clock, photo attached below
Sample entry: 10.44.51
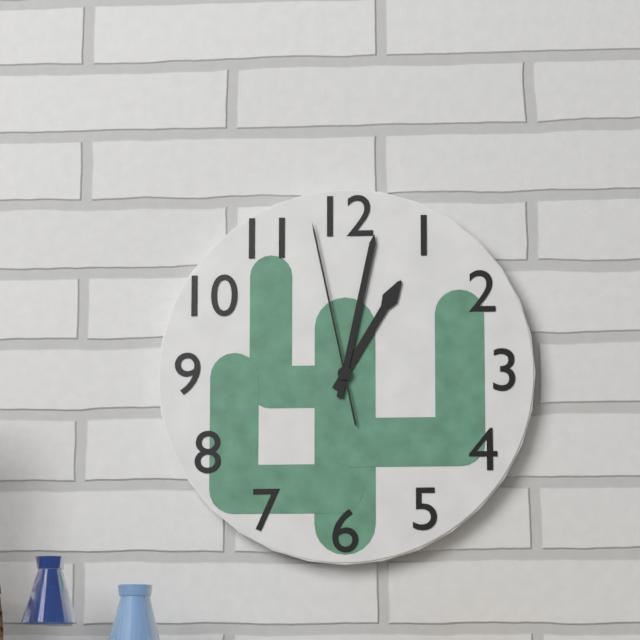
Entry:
1.02.58
